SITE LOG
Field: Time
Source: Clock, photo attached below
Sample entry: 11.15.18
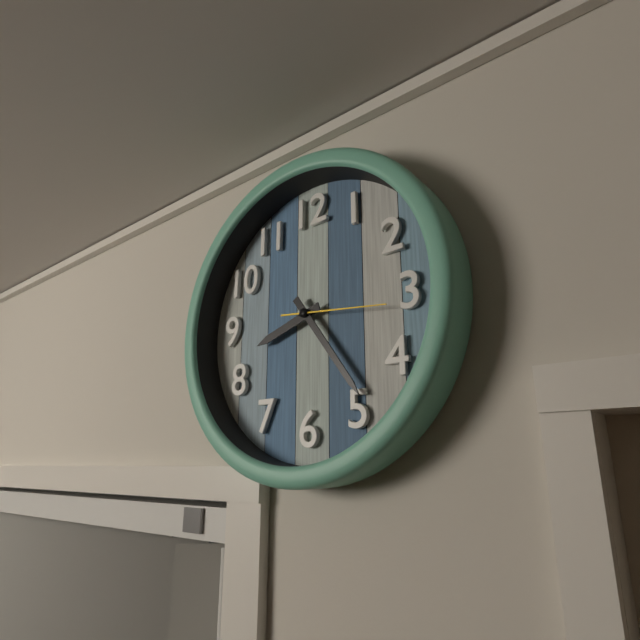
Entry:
8.24.16
